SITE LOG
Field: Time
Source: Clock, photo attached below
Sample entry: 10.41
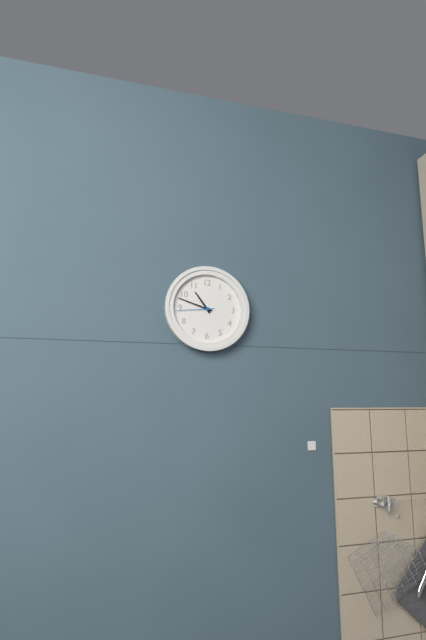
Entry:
10.48
